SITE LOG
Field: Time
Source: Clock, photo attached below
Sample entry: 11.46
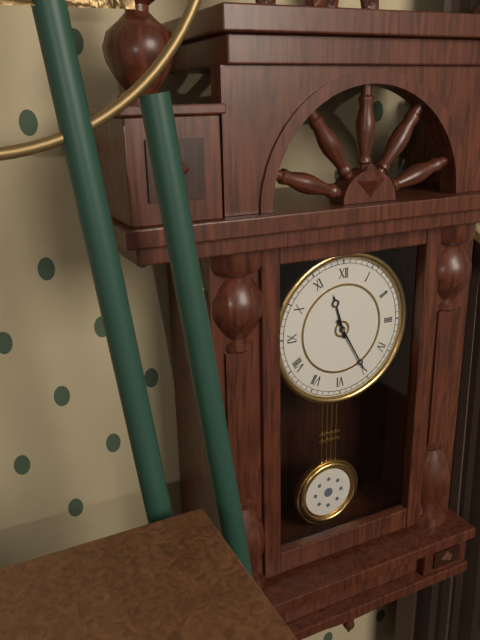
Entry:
11.25
